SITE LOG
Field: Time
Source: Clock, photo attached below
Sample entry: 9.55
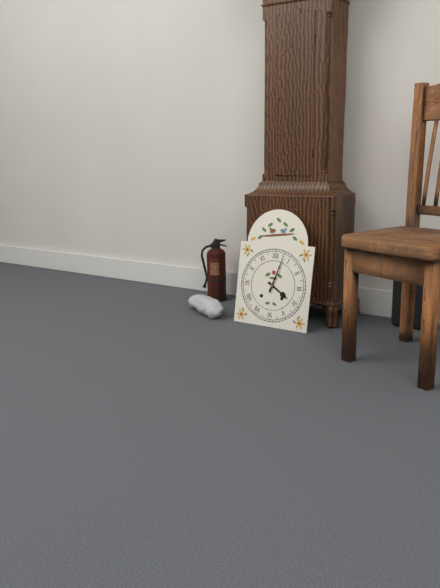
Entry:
4.03
